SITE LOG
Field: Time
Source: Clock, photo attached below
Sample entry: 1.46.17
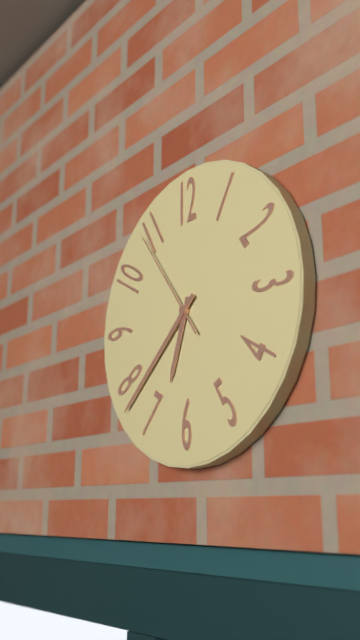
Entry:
6.38.54
